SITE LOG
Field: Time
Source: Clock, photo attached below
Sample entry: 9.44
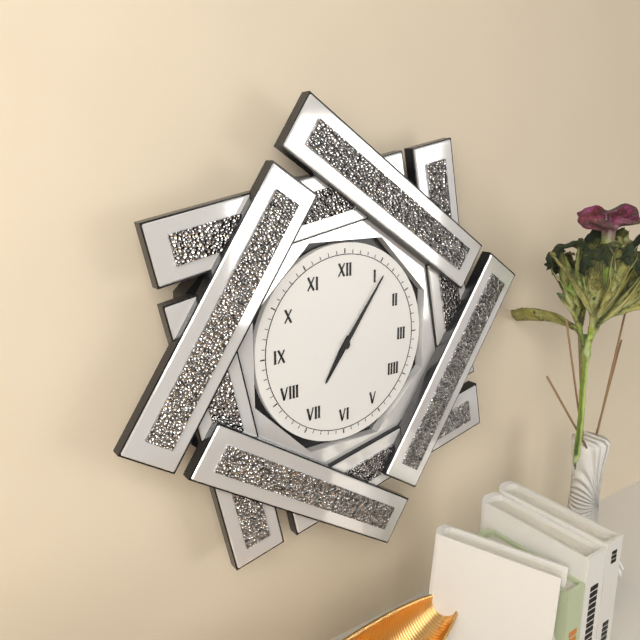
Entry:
7.06
